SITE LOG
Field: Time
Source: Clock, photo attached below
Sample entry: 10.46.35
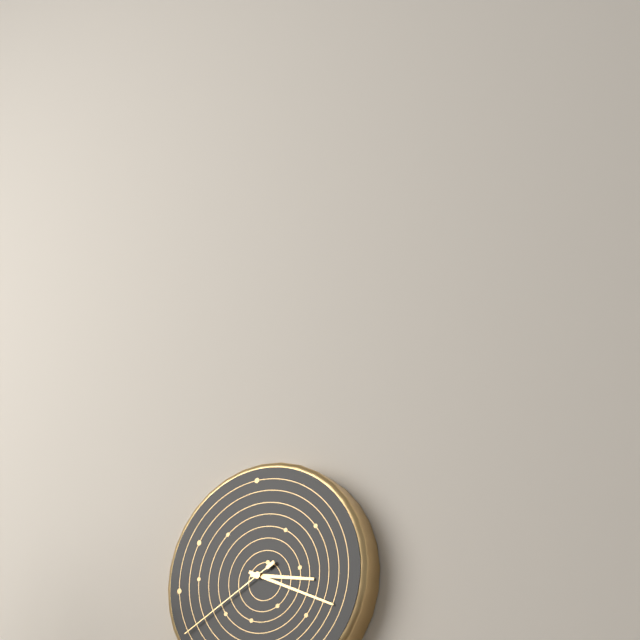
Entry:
3.19.40
